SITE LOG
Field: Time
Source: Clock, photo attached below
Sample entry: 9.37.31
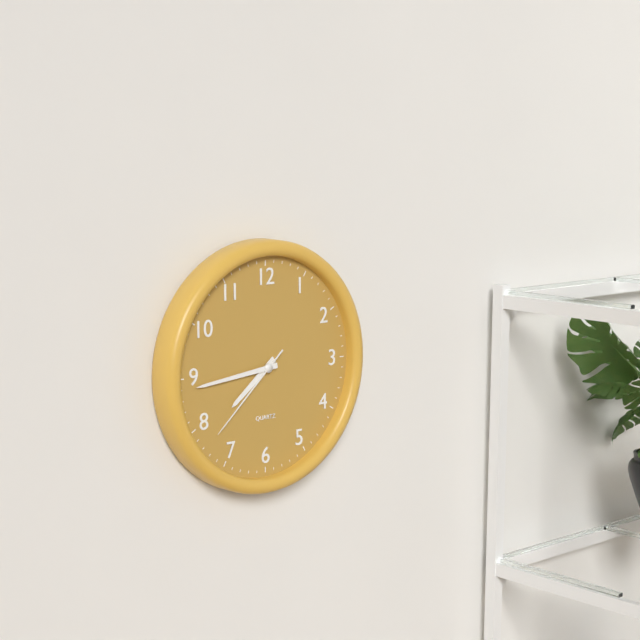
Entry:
7.44.38
